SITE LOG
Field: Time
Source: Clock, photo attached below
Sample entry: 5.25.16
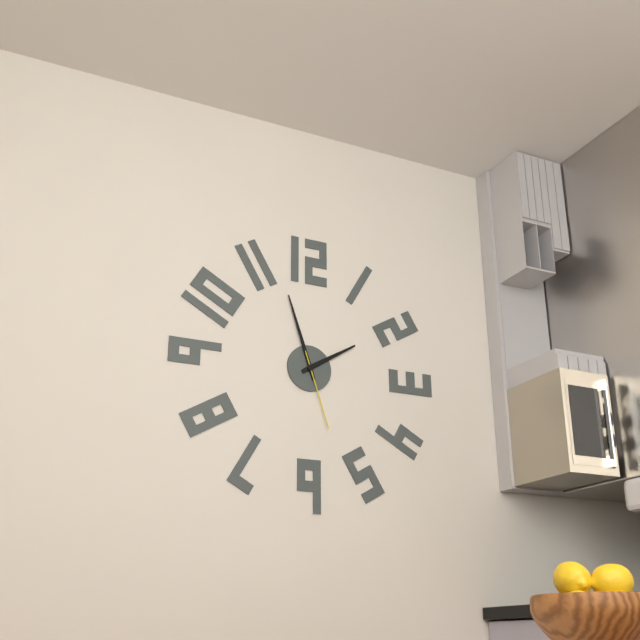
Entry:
1.57.27
